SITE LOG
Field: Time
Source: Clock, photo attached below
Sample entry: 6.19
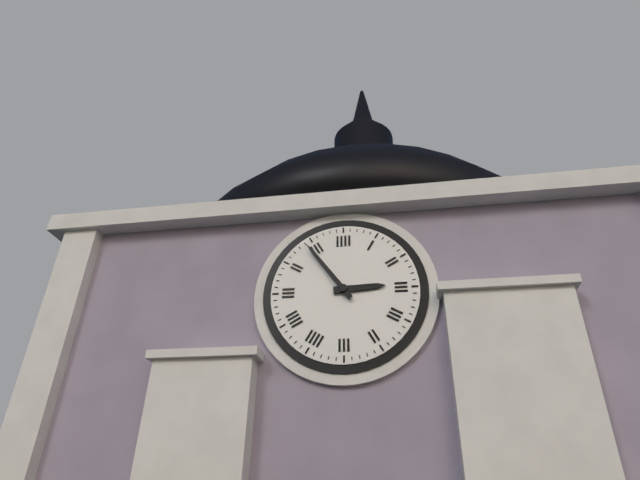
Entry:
2.54
